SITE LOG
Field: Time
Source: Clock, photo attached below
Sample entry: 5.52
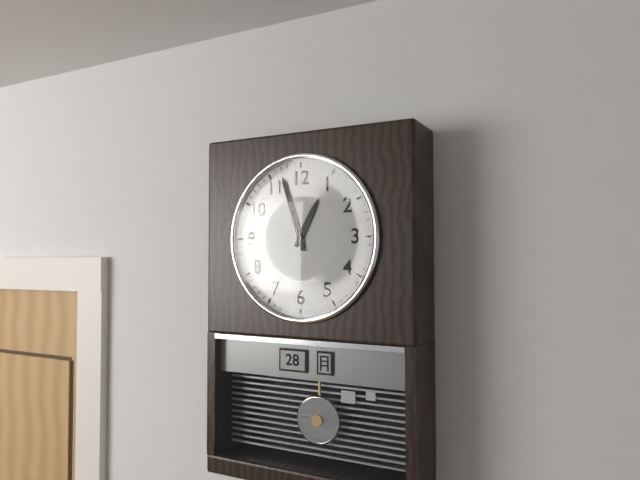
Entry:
12.57
